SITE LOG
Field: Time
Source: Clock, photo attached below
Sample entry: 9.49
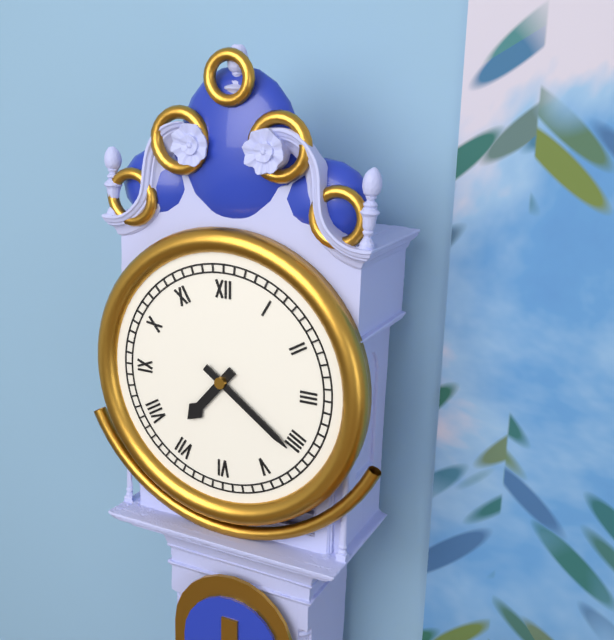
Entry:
7.21
